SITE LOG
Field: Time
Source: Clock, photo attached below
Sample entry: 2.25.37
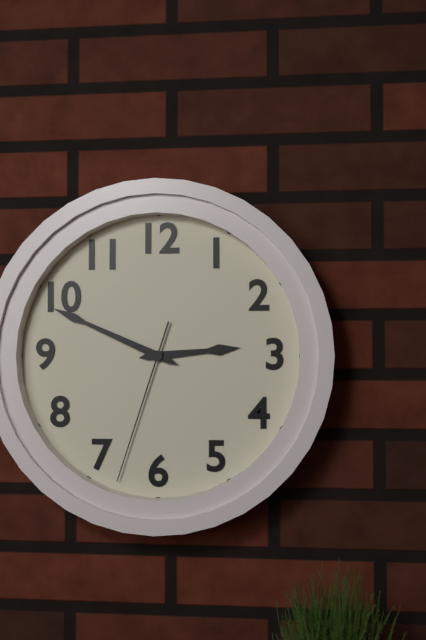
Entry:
2.49.33
